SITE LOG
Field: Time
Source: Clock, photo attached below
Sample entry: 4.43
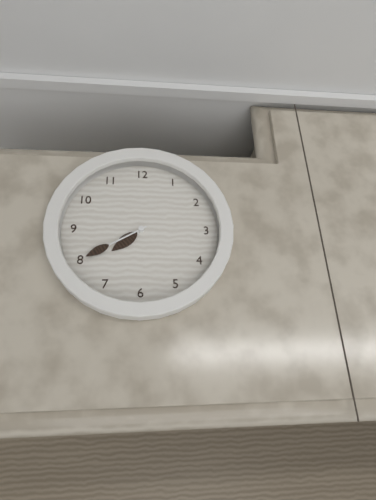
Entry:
7.40
